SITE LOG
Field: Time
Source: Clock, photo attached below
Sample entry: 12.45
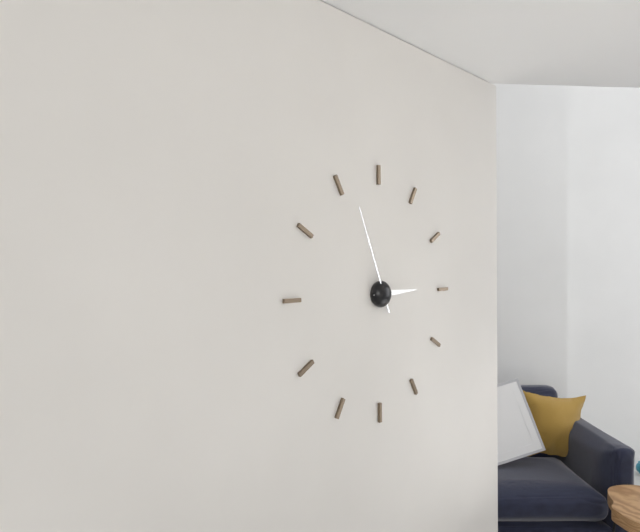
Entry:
2.56
